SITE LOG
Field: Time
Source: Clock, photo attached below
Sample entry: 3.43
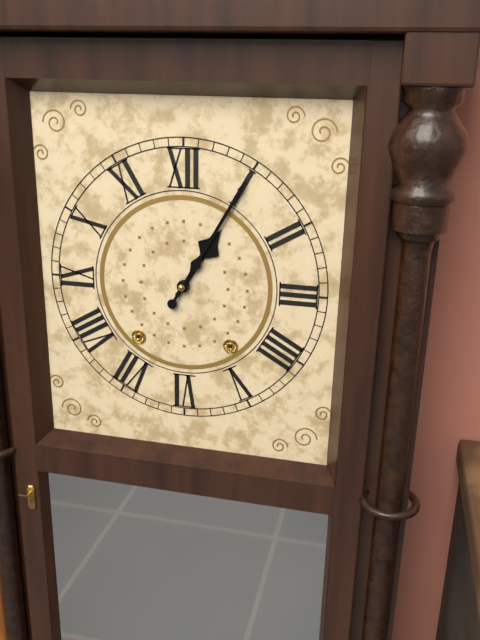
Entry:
1.05
